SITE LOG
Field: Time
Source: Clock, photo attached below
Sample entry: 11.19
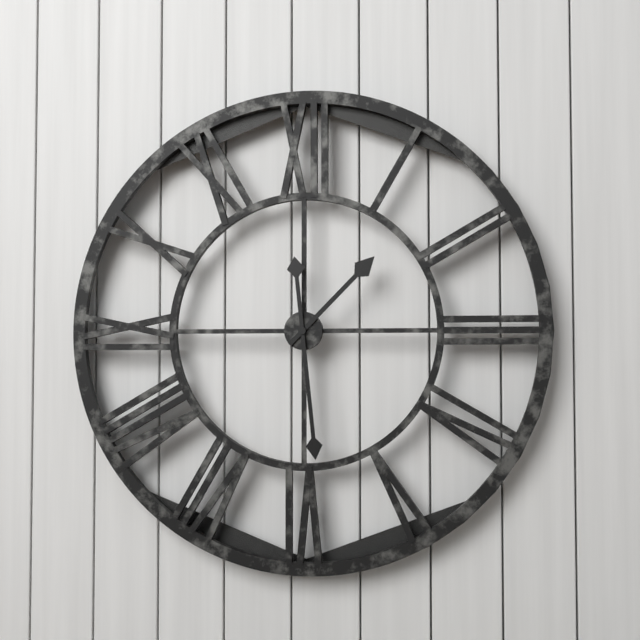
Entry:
1.29
